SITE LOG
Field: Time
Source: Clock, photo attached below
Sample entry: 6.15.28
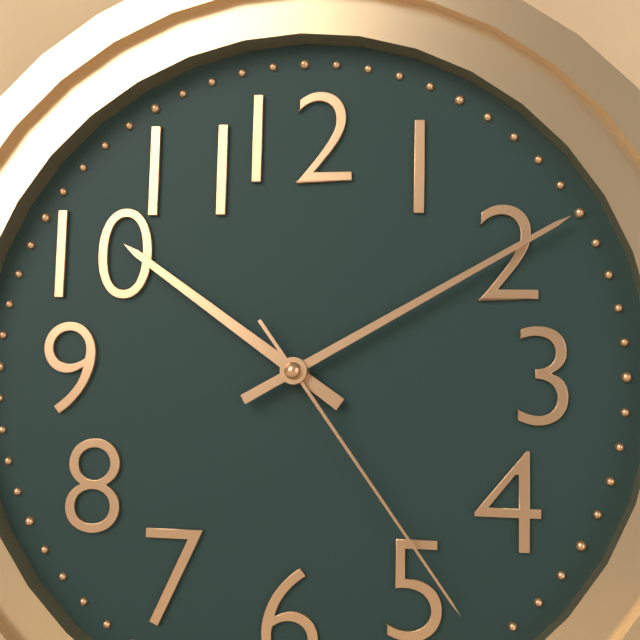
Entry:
10.10.24
